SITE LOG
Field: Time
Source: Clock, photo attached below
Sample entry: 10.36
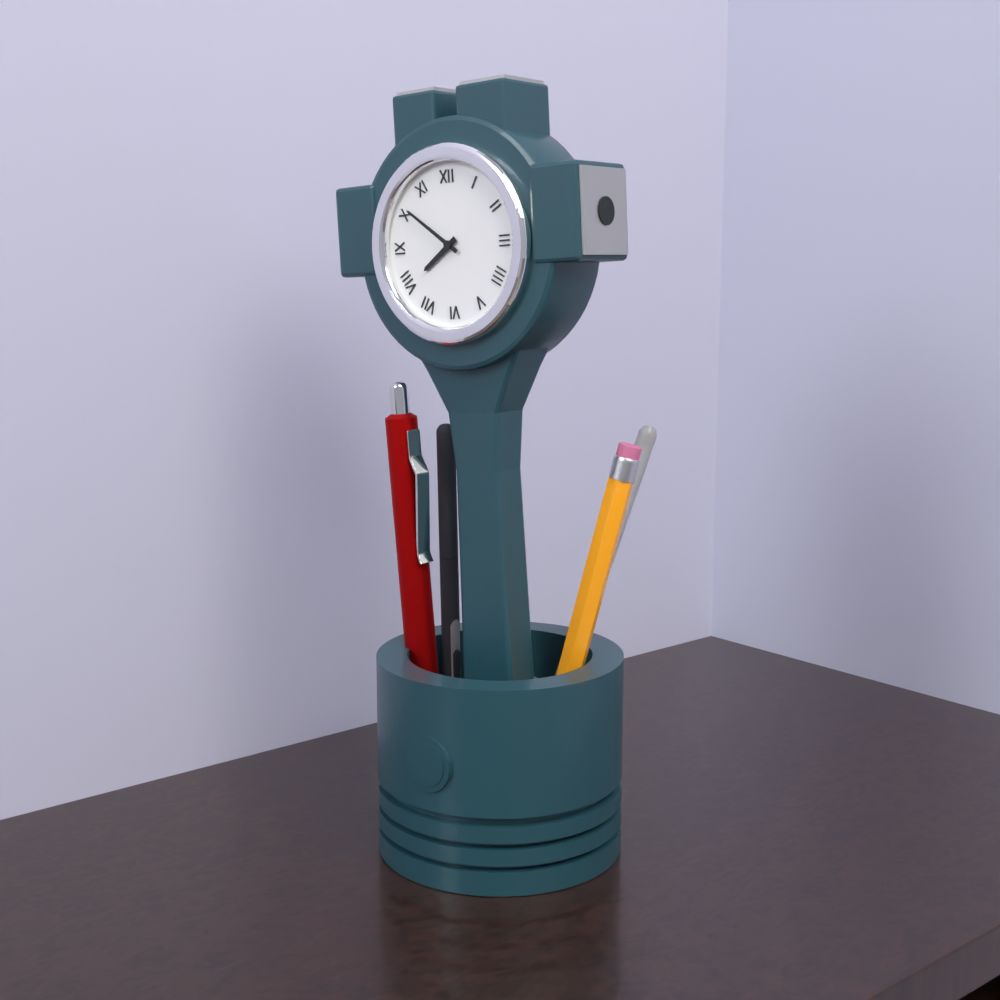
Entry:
7.51
